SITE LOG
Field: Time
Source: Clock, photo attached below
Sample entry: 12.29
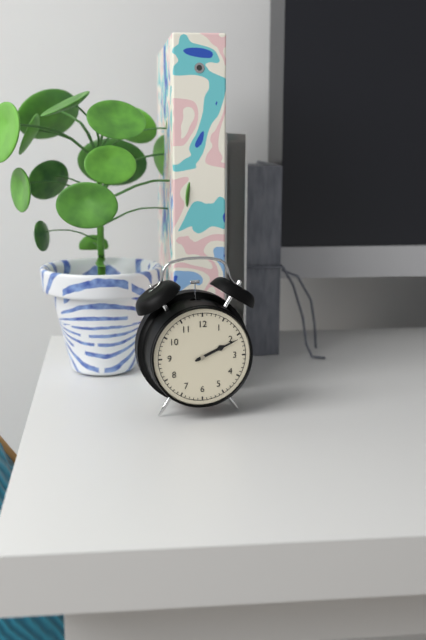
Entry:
2.11
